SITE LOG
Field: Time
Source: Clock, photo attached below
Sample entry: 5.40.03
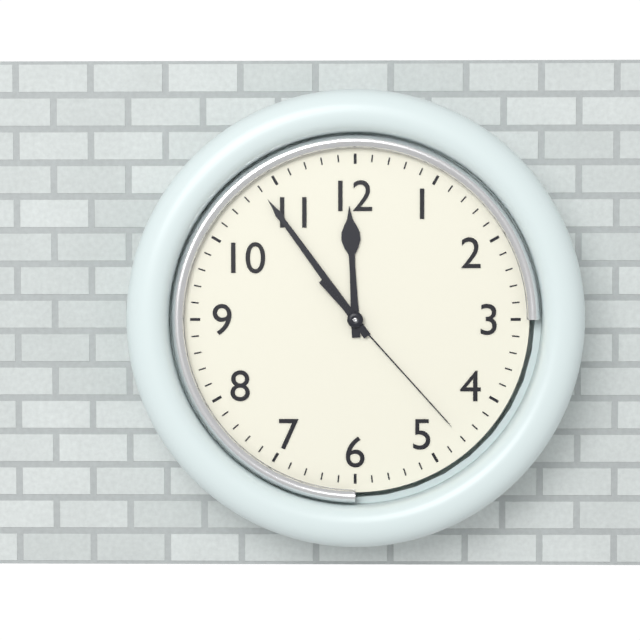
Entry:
11.54.23
